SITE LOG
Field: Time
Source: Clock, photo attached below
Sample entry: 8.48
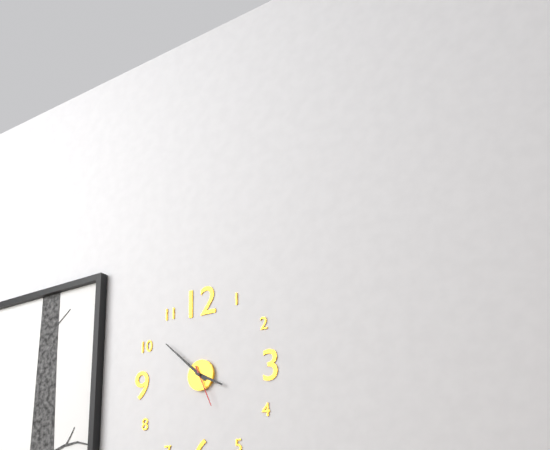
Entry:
3.52
